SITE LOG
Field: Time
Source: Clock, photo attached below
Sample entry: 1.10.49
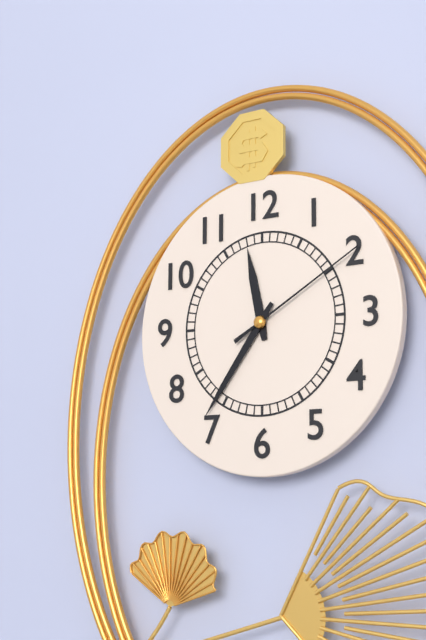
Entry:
11.36.10
